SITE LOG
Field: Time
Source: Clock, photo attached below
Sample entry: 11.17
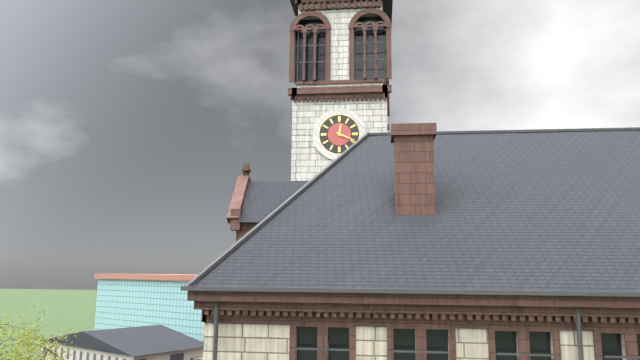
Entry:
12.19
